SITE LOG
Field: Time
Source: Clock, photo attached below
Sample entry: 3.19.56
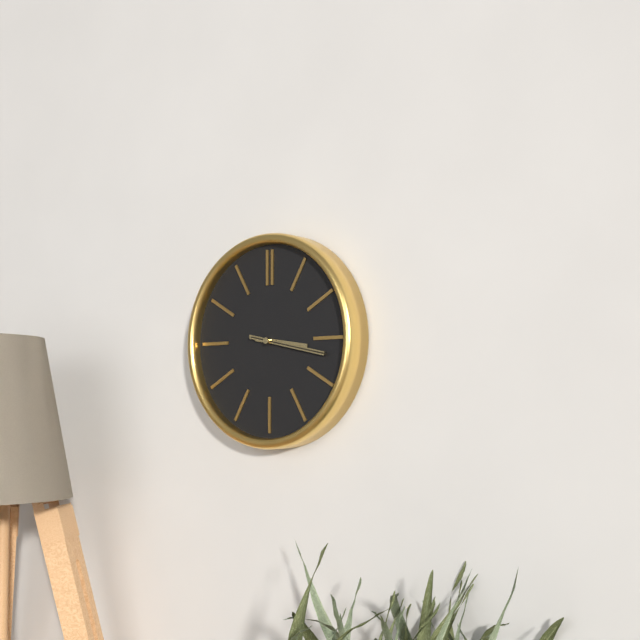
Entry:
3.17.17
